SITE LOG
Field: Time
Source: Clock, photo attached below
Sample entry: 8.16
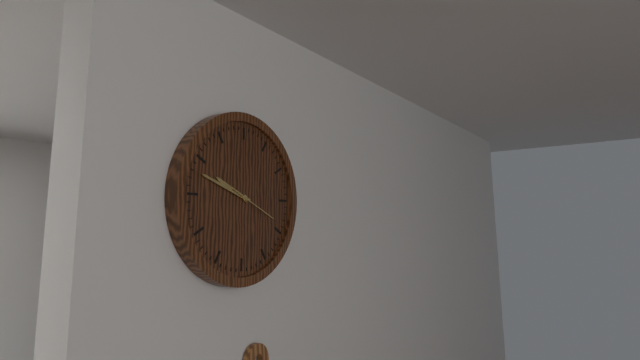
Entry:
9.48
